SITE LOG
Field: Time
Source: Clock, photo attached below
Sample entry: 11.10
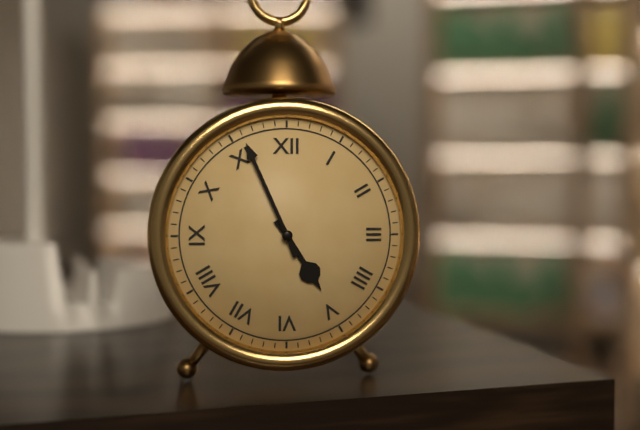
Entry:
4.56
